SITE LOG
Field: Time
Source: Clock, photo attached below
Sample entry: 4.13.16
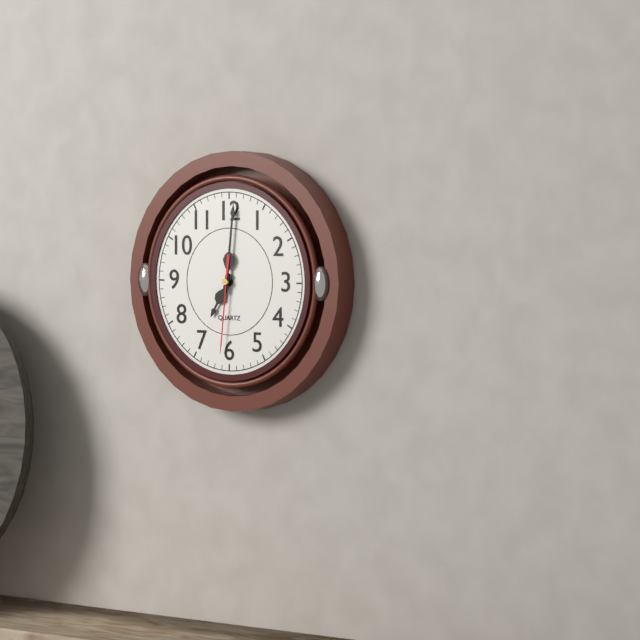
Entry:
7.01.31
